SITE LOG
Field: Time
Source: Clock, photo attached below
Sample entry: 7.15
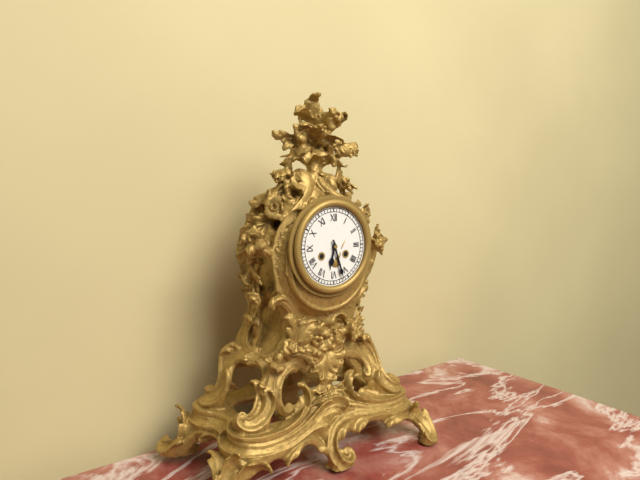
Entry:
6.27
